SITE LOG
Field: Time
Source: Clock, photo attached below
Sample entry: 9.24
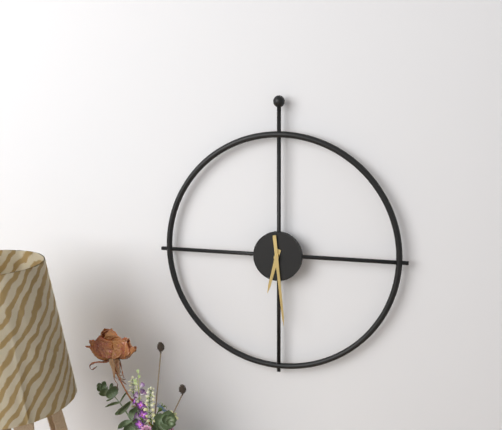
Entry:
6.29
